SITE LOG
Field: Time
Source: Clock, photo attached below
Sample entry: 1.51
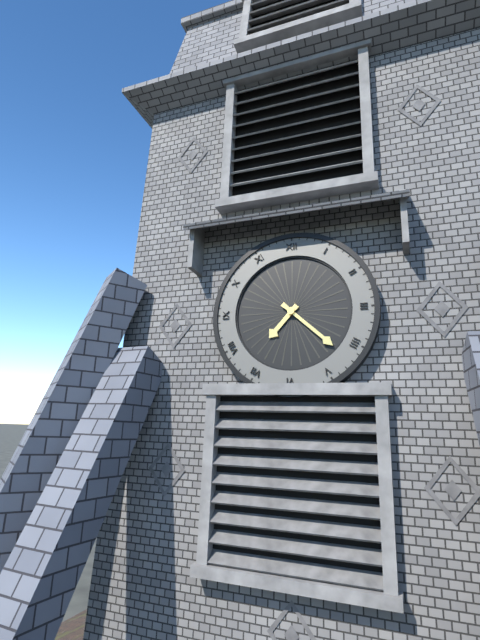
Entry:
7.22
